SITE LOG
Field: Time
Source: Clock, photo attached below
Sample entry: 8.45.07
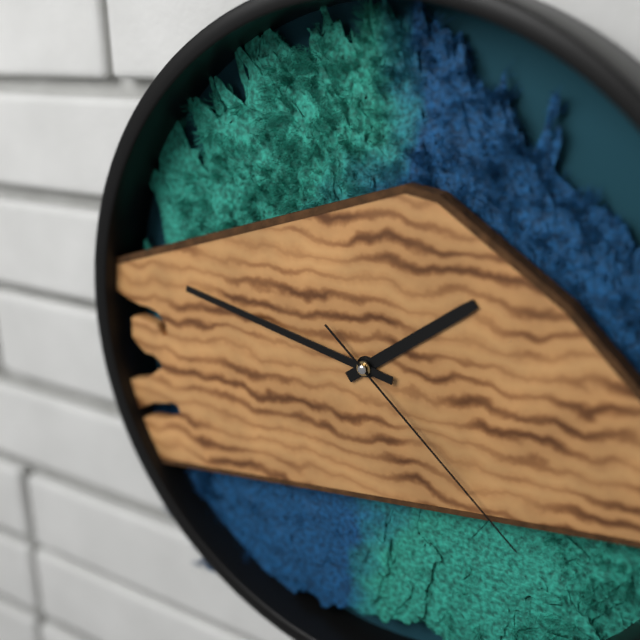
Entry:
1.47.22
